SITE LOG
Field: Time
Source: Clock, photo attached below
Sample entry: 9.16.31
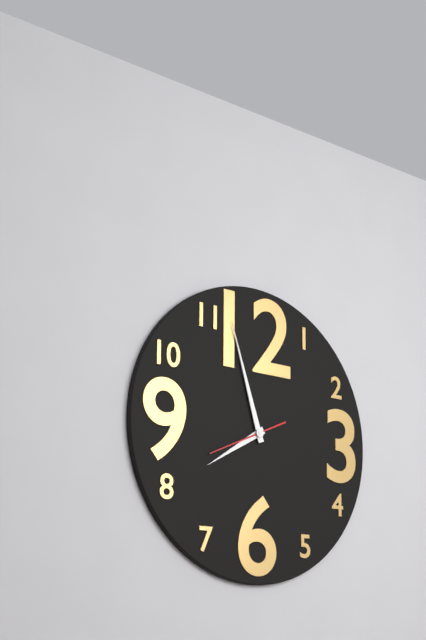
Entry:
7.57.41
